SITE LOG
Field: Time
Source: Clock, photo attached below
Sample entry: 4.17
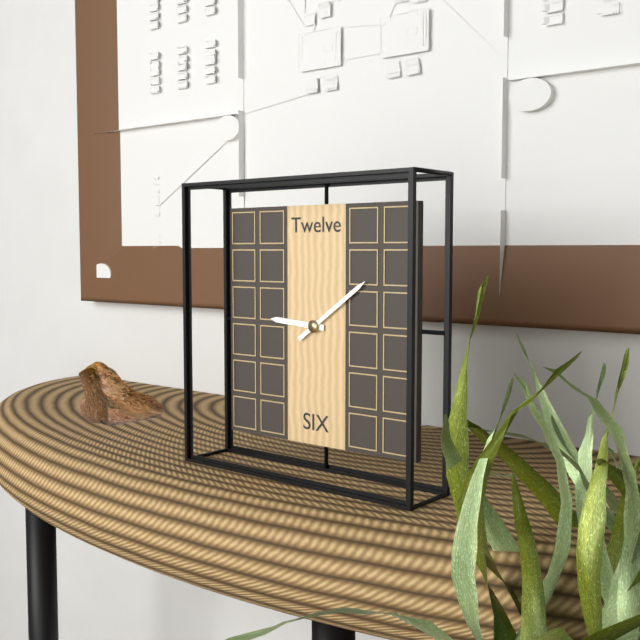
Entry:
9.09
